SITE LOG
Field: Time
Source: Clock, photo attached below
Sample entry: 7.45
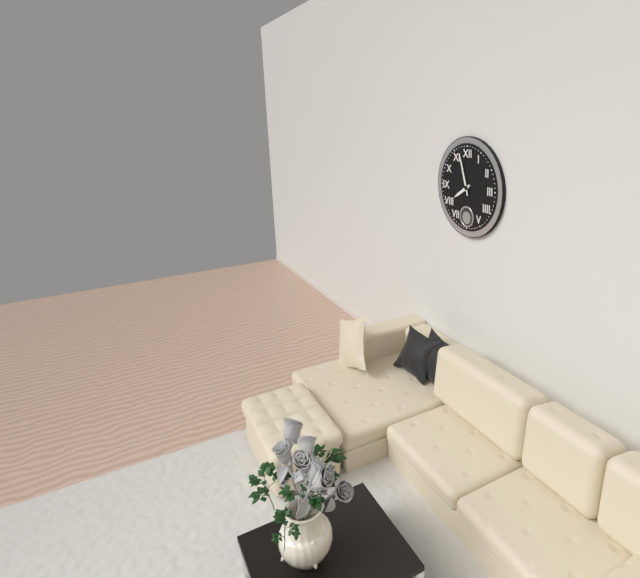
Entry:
7.57
